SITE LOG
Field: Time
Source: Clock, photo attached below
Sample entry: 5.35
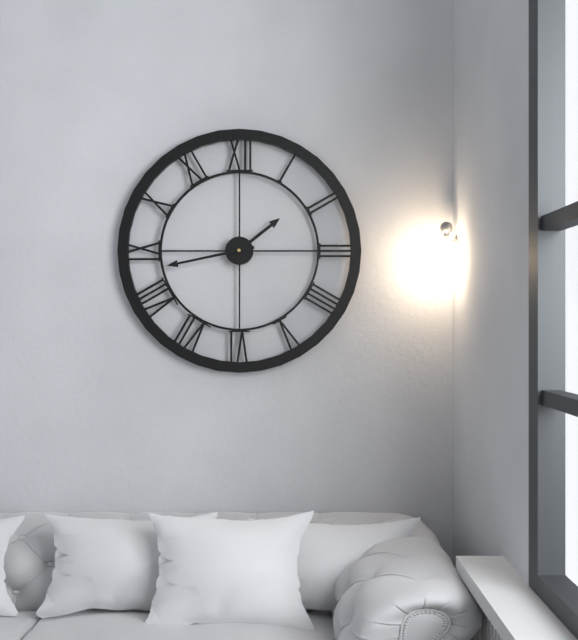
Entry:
1.43
